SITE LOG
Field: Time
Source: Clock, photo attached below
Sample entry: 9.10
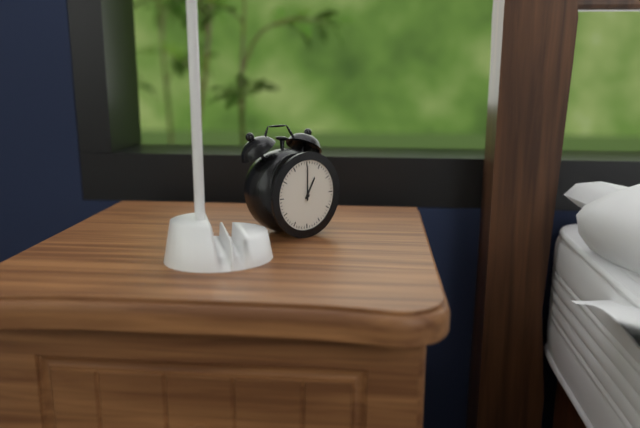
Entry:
1.00
